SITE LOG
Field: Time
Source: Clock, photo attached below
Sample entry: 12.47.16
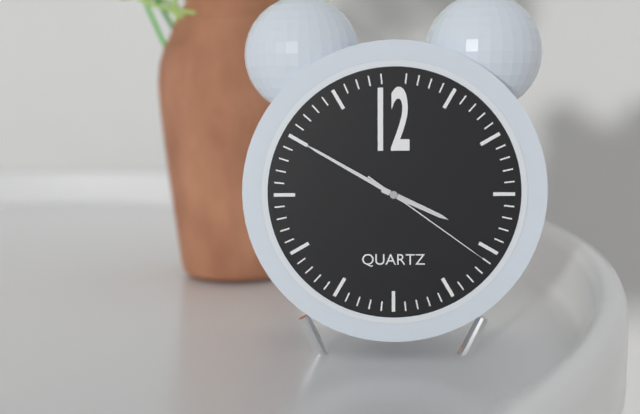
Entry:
3.50.21
